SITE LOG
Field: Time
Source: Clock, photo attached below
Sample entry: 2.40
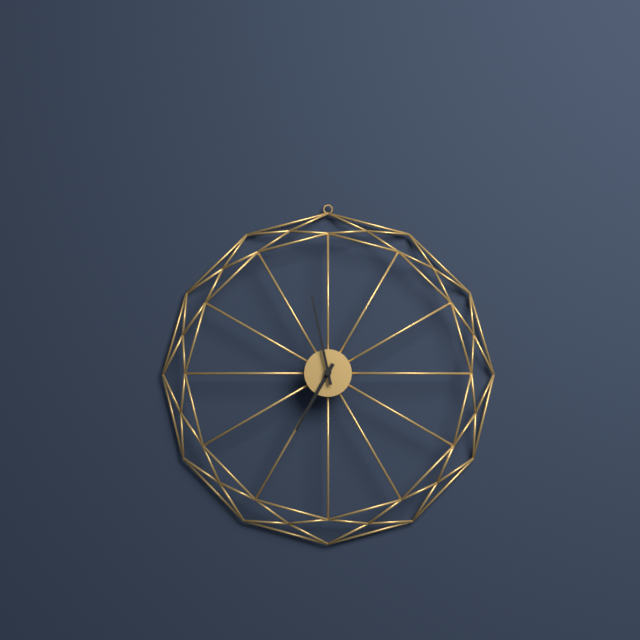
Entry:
6.58
